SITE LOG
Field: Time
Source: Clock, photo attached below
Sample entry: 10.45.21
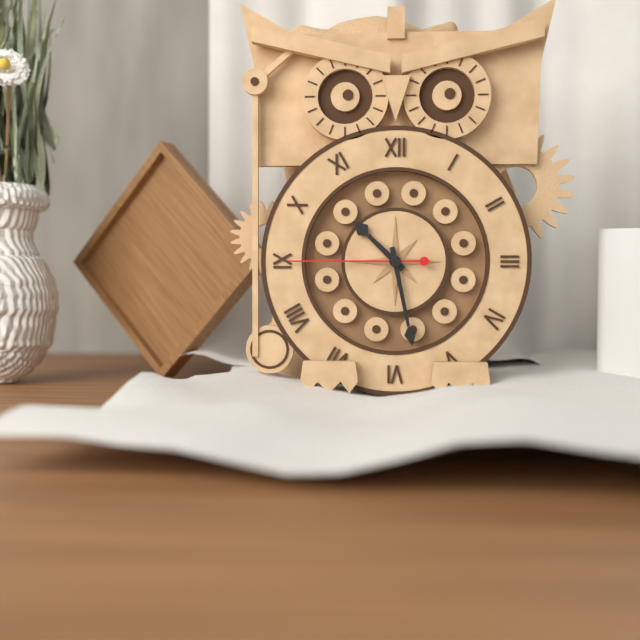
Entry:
10.28.45
